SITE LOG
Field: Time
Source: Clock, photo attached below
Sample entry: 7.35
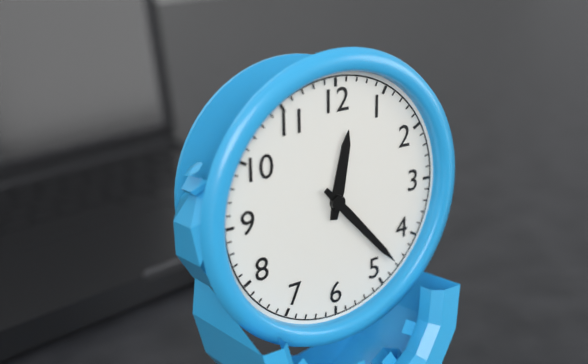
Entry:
12.23
